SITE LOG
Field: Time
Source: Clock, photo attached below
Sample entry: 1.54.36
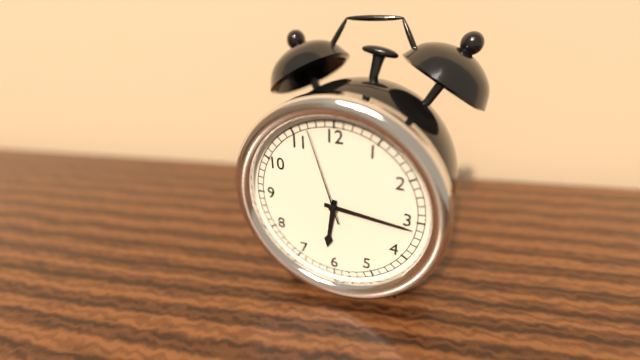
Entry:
6.16.57
